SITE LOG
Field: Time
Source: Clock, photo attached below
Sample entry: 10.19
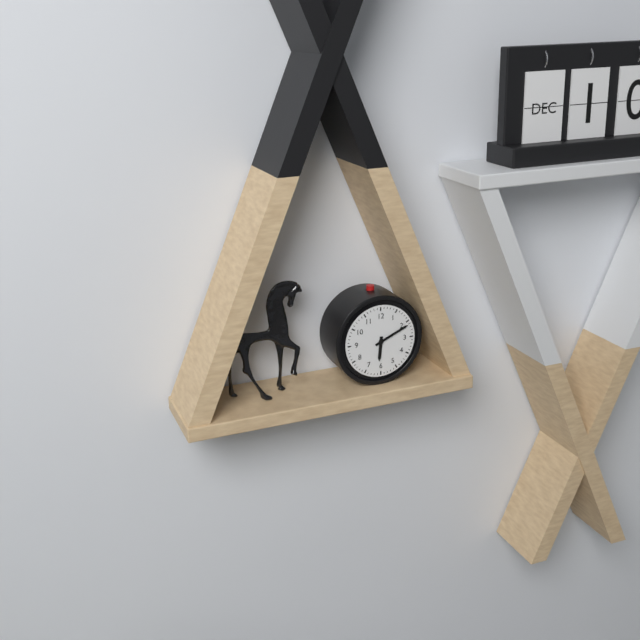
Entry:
6.11
